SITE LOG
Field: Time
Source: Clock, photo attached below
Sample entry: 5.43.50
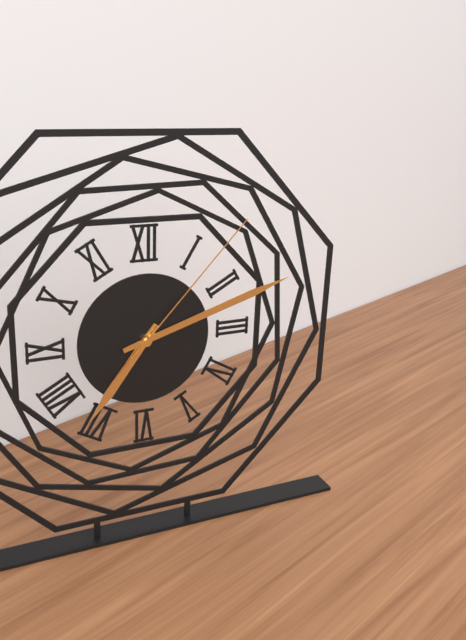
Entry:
7.12.07
